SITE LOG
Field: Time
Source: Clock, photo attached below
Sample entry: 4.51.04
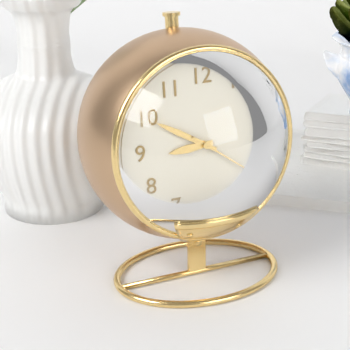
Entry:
8.50.21
